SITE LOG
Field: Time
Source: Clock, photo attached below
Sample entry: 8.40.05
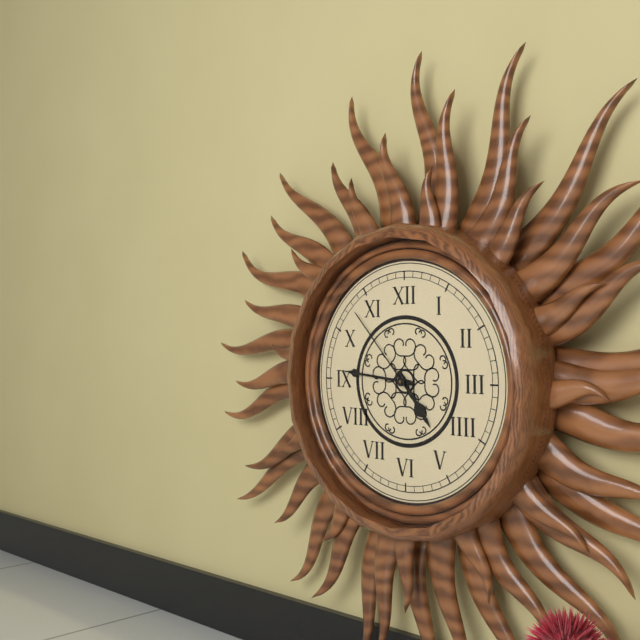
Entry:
4.46.53
